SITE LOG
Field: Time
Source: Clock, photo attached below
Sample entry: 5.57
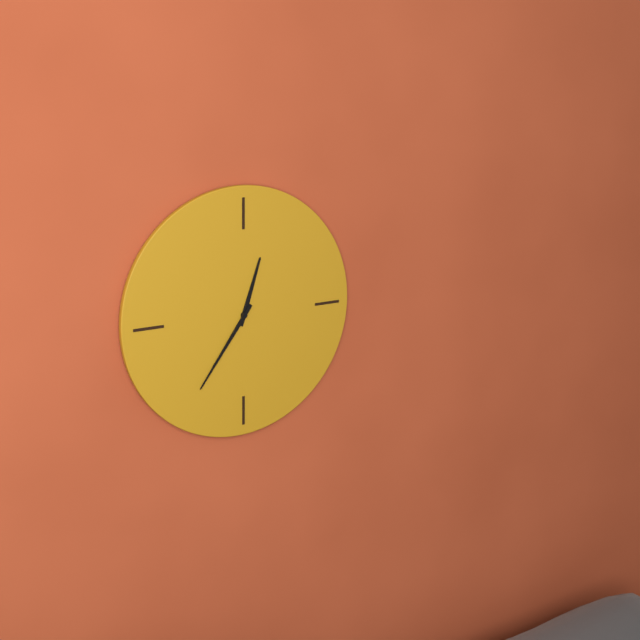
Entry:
12.36
